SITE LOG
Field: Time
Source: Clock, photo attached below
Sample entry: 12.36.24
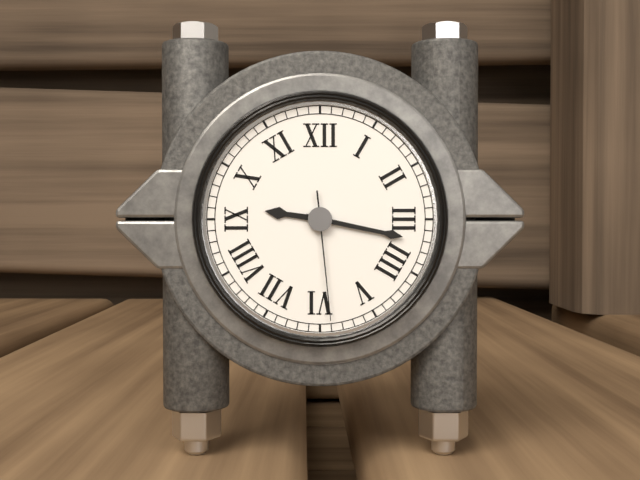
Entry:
9.17.29
